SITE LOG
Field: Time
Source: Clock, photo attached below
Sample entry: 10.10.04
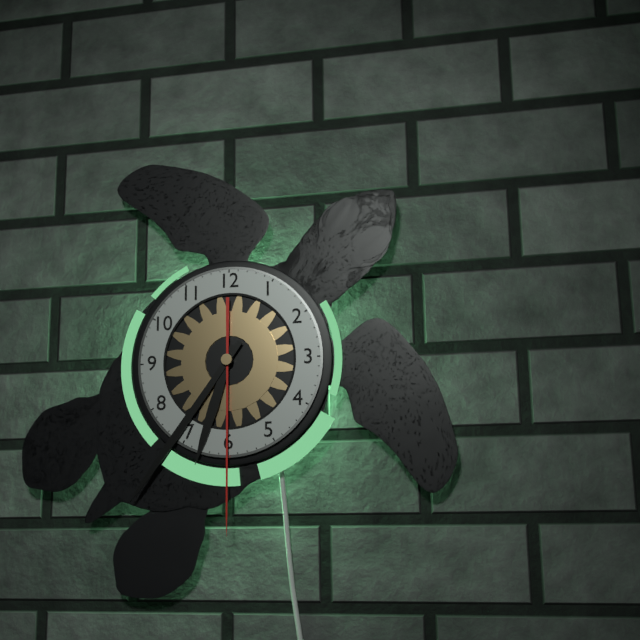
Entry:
6.36.30
